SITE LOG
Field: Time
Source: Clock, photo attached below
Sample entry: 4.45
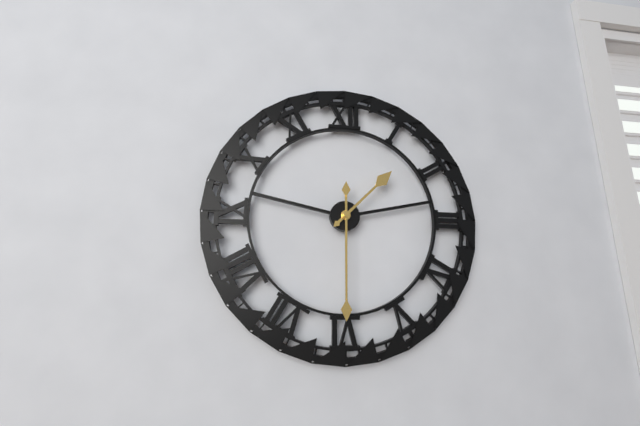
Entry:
1.30
